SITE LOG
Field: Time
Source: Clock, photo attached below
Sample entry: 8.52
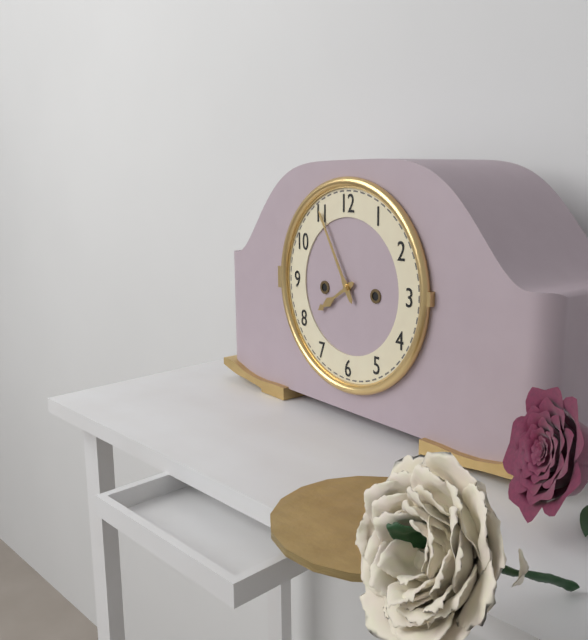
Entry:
7.55
